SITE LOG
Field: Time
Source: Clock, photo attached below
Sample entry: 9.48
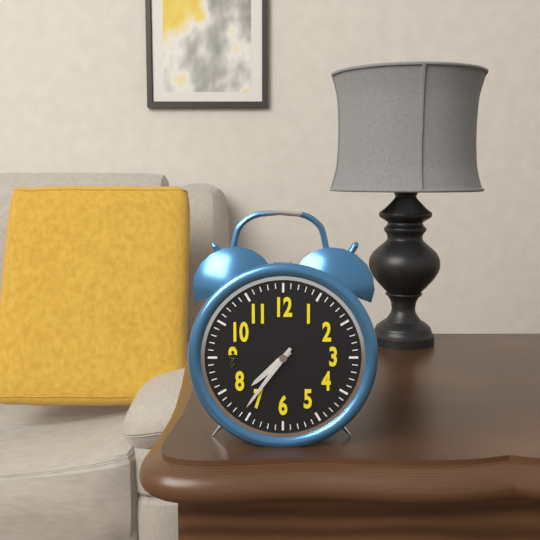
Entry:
7.36
